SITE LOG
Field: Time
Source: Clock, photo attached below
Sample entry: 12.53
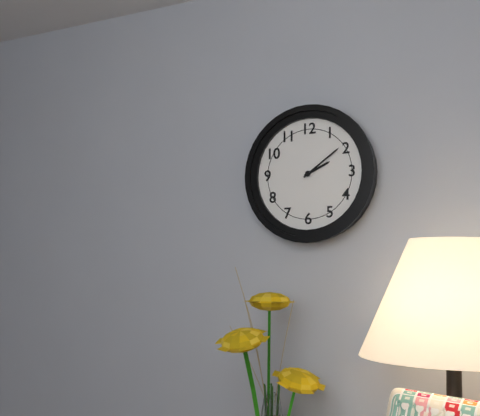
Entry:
2.09
